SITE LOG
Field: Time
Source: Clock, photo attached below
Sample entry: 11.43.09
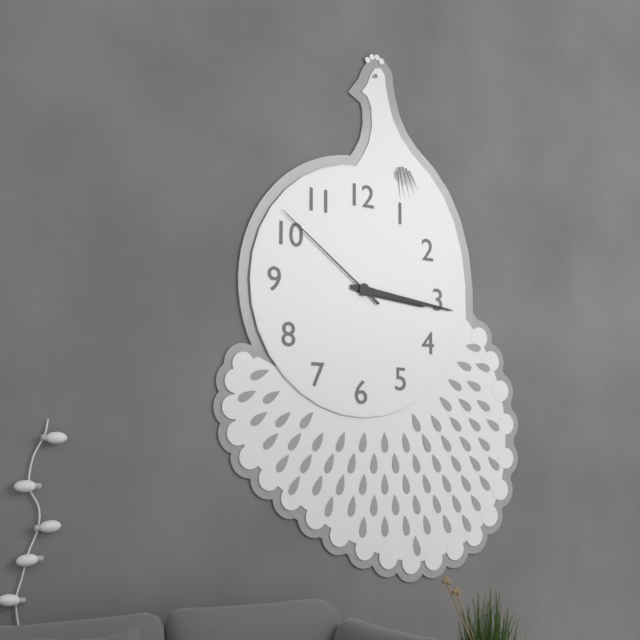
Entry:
3.16.51
